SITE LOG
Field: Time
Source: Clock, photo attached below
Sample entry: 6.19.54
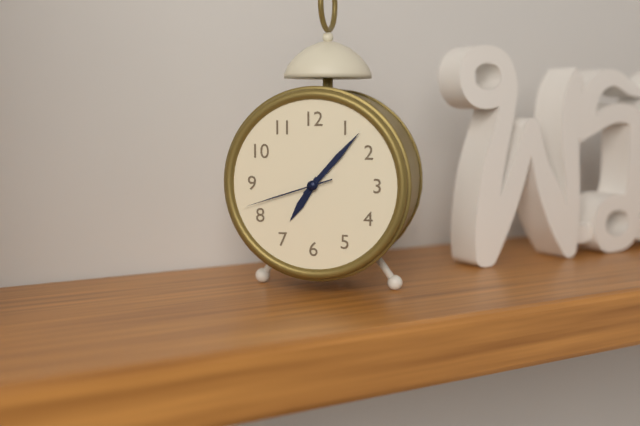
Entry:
7.07.42
